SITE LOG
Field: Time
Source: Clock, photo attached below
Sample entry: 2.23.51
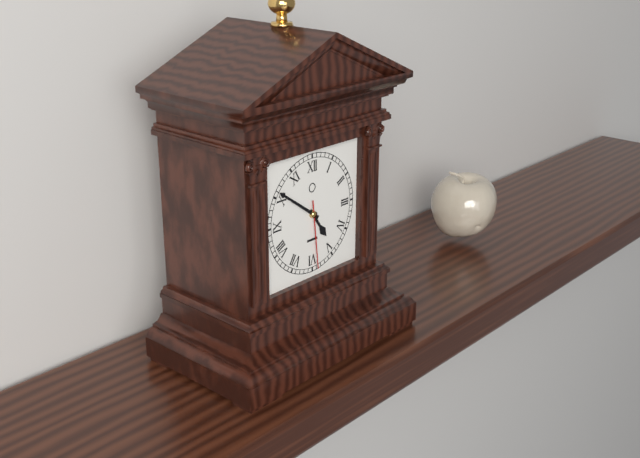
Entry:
4.51.29
